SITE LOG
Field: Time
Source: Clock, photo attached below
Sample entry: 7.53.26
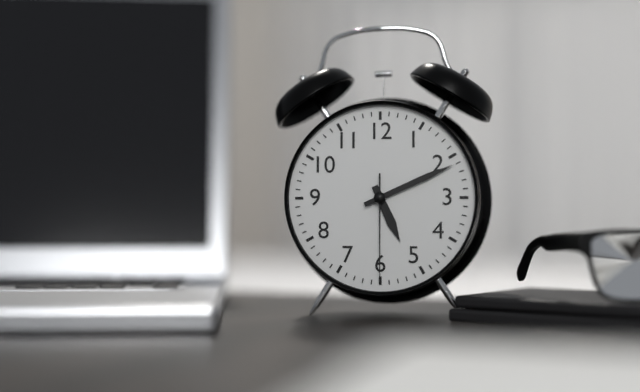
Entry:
5.11.30
